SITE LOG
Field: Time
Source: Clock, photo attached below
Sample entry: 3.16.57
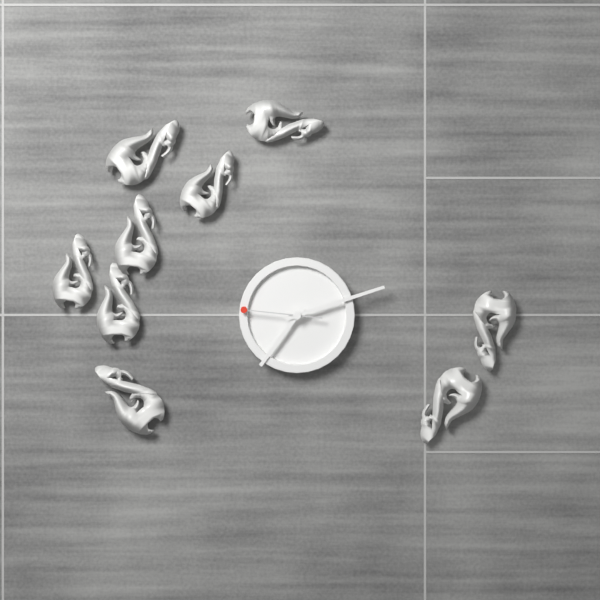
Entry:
7.12.46
